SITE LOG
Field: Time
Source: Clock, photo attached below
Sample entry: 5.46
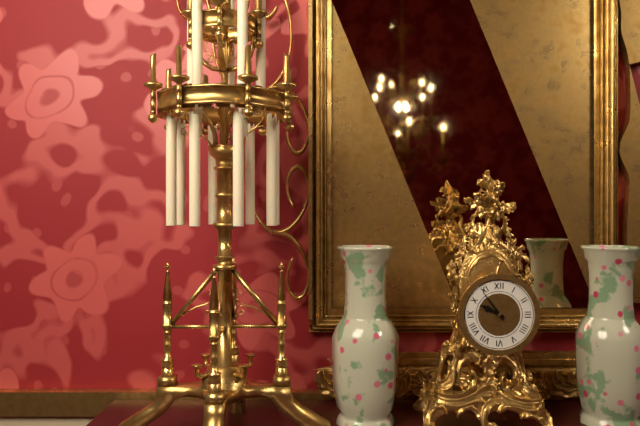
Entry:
9.54
